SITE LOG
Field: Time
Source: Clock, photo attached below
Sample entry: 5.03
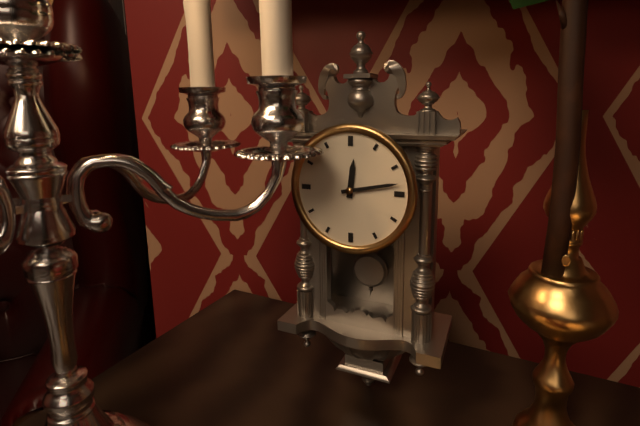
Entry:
12.13
